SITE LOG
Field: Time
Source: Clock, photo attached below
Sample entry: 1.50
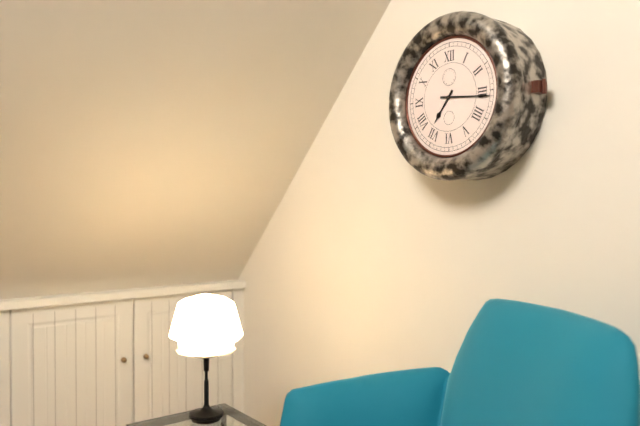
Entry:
7.16
